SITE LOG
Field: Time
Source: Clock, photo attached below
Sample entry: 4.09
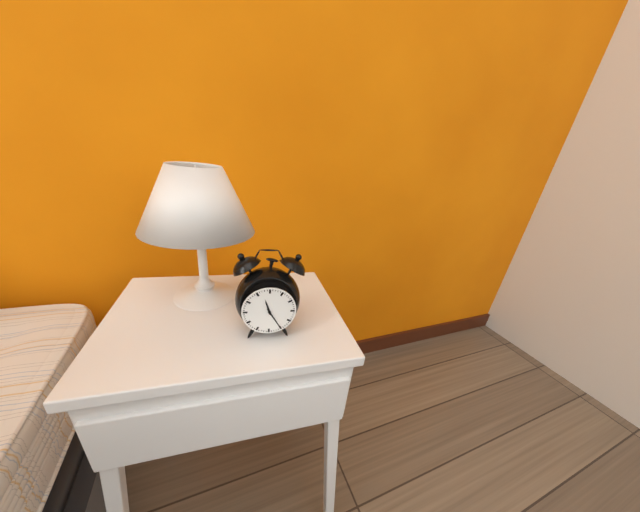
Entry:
11.25
